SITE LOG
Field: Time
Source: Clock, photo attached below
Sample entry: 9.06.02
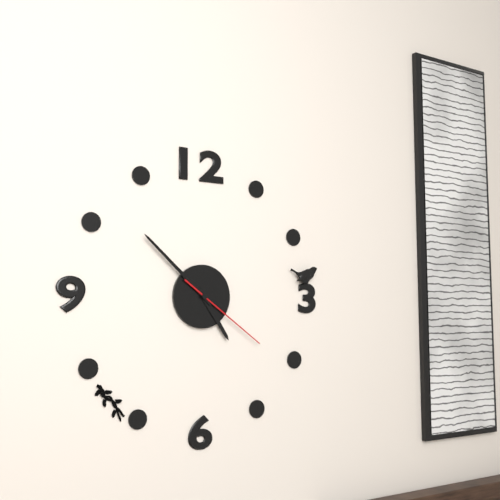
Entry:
4.52.21
